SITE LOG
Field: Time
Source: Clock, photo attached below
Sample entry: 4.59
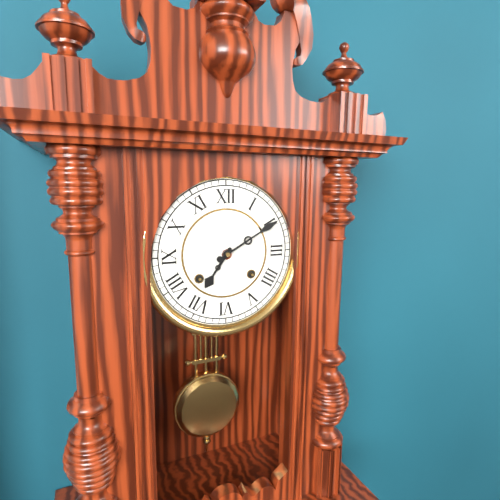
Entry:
7.10
